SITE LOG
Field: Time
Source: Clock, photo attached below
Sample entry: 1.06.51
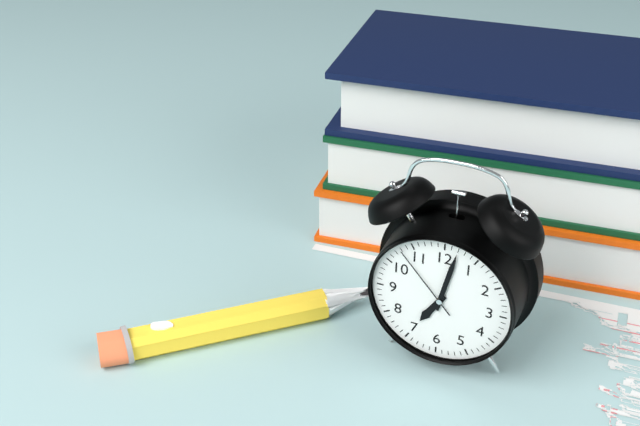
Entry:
7.02.53
